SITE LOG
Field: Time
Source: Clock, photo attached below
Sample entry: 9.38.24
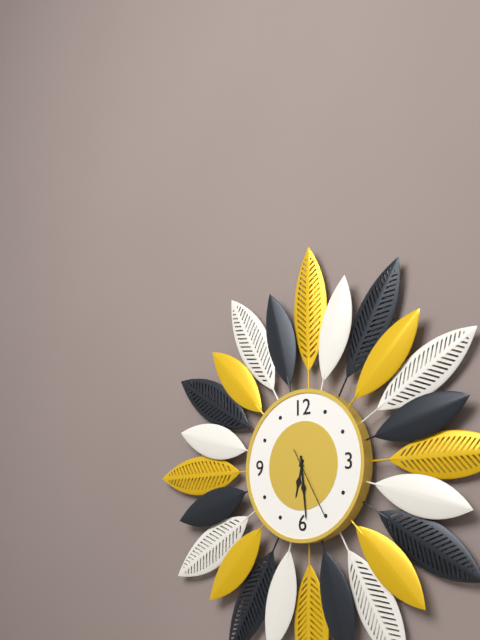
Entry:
6.29.25
